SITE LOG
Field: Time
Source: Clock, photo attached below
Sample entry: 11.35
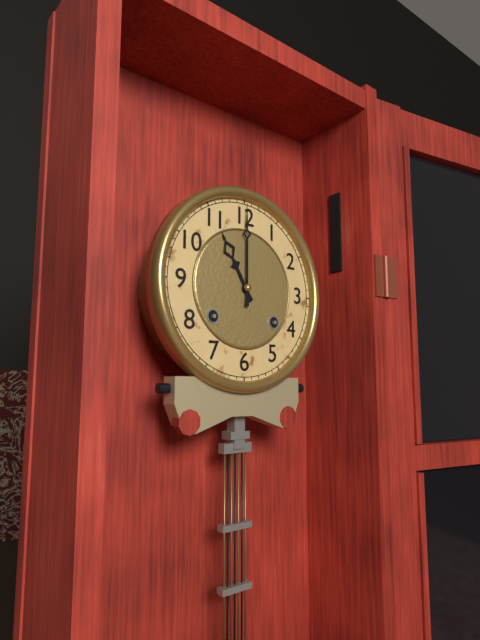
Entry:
11.00
